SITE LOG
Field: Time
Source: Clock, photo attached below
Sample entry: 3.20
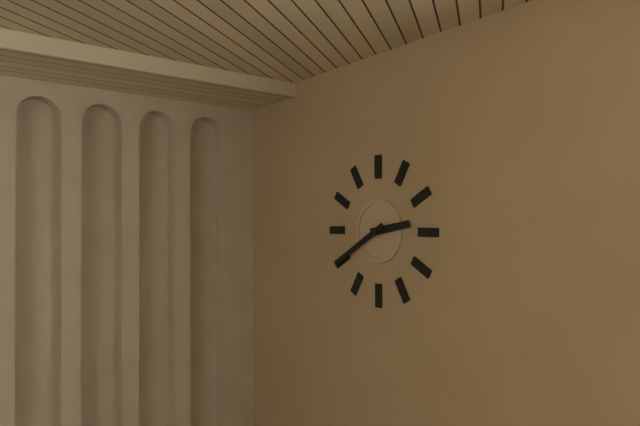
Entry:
2.40
